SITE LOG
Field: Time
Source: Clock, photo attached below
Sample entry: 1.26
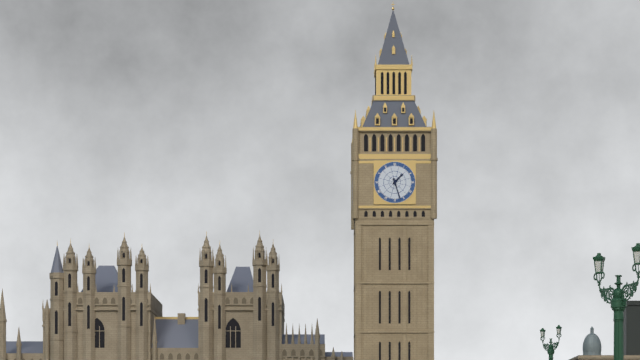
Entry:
1.27
